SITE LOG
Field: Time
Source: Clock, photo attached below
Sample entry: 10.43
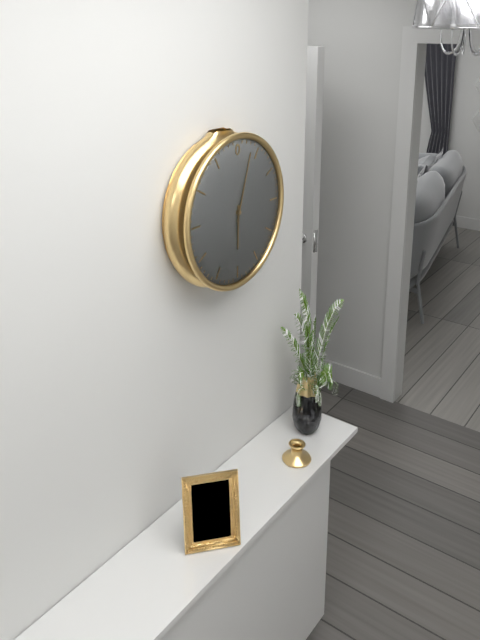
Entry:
6.03
